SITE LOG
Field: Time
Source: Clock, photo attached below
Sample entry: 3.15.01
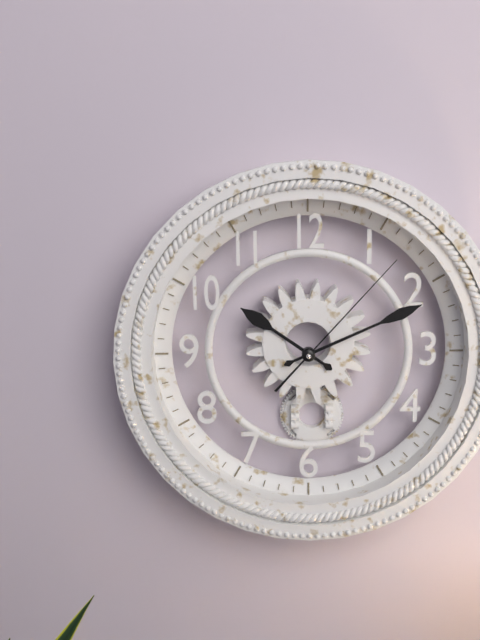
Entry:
10.11.07
